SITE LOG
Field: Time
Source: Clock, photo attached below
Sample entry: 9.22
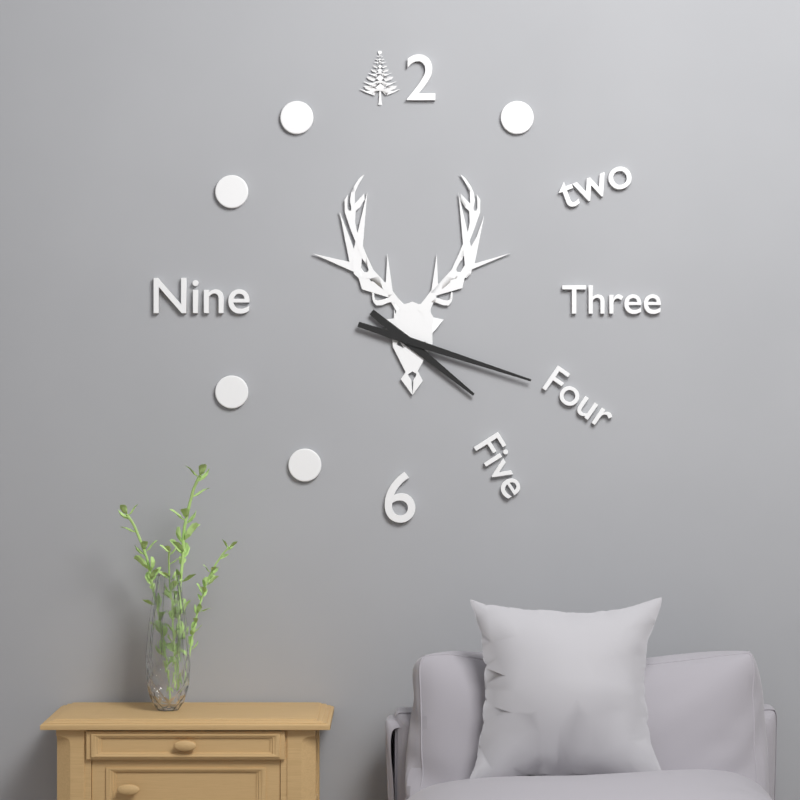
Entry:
4.18
